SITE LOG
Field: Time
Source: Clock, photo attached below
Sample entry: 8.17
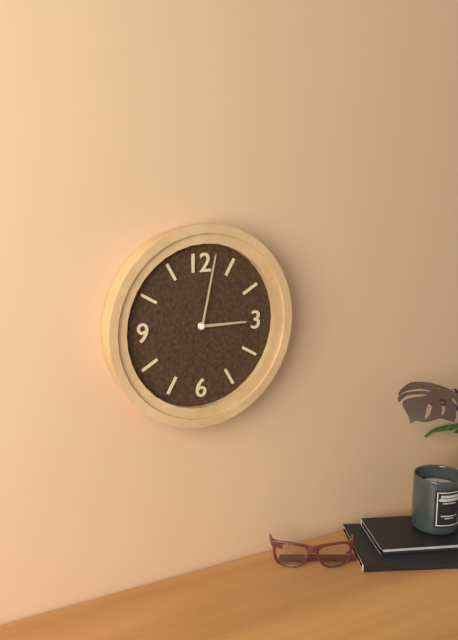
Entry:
3.02
